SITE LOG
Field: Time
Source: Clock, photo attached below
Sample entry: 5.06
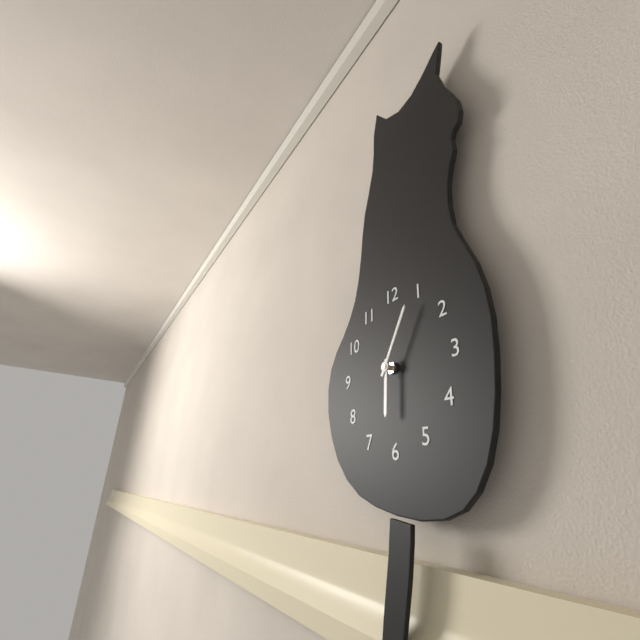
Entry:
6.05
